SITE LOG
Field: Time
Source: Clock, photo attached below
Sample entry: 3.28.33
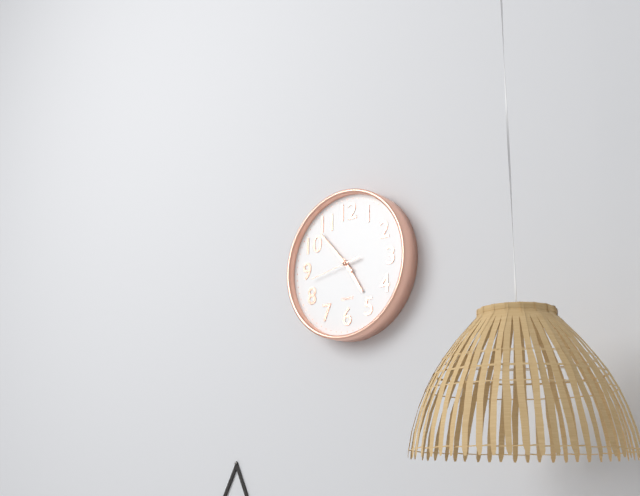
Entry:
4.53.43
